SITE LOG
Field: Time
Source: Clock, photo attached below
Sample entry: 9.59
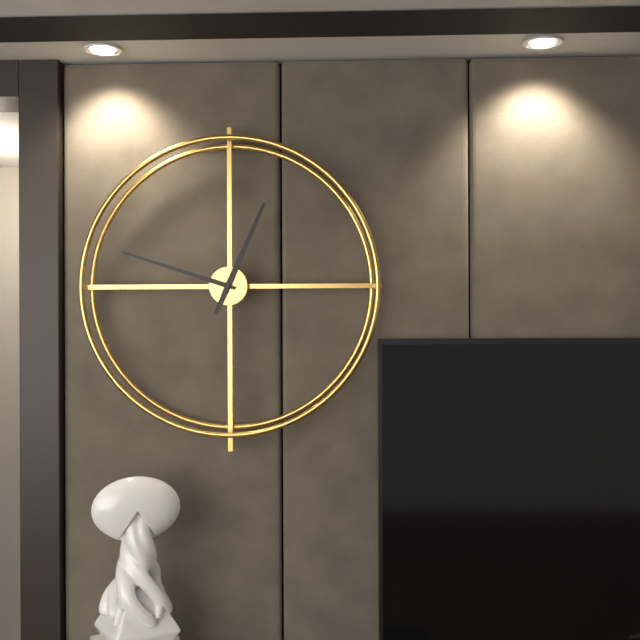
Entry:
12.48
